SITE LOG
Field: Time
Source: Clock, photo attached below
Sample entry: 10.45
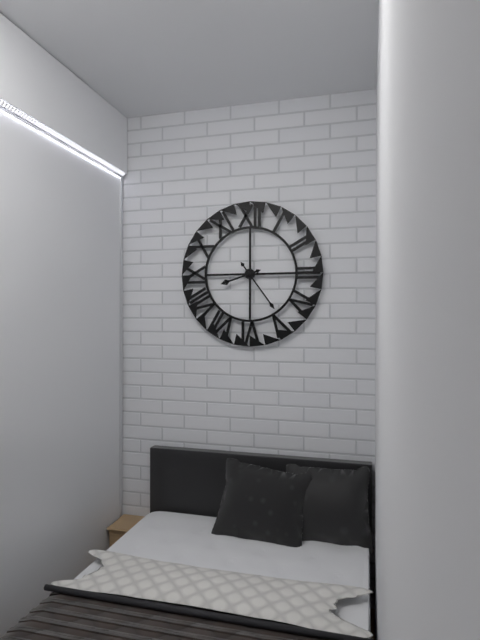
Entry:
8.24
